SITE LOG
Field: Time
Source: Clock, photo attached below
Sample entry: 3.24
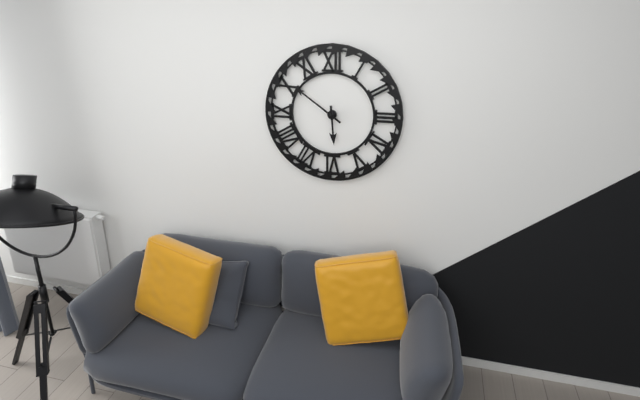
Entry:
5.51
